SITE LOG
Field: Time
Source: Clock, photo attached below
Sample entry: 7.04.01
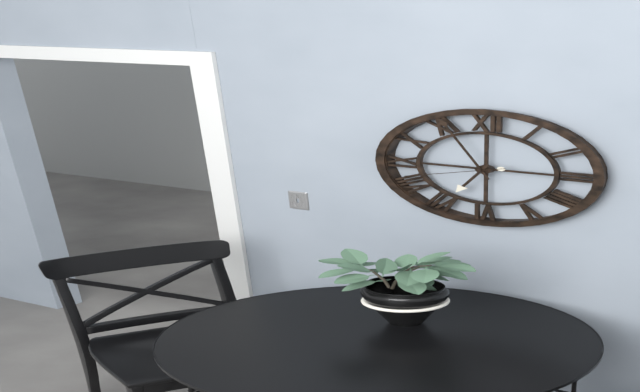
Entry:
6.56.42
